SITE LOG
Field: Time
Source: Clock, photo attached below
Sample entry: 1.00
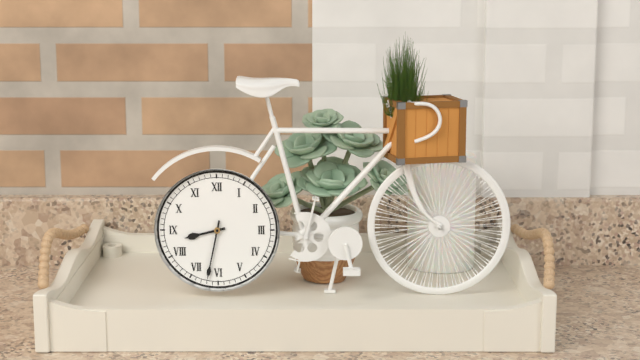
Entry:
8.32
